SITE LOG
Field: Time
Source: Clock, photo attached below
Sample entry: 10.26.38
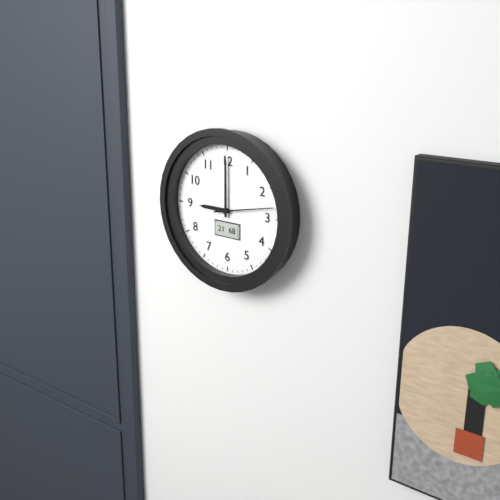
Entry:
9.00.13
